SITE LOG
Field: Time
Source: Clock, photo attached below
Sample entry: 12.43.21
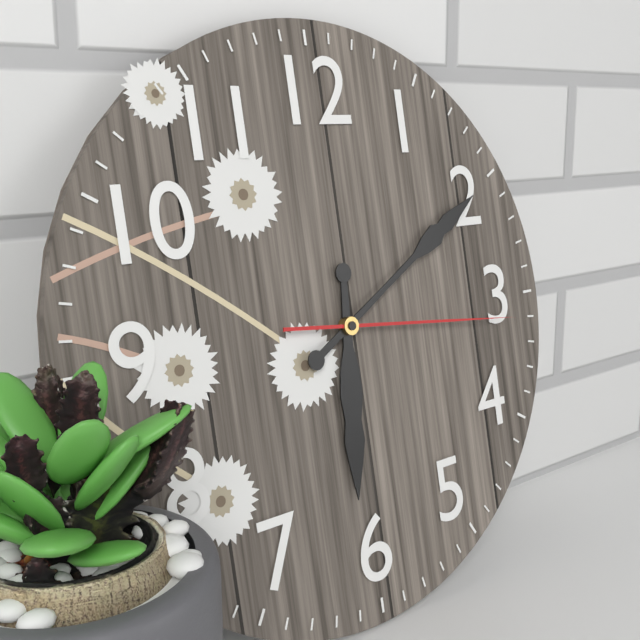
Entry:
6.10.16
